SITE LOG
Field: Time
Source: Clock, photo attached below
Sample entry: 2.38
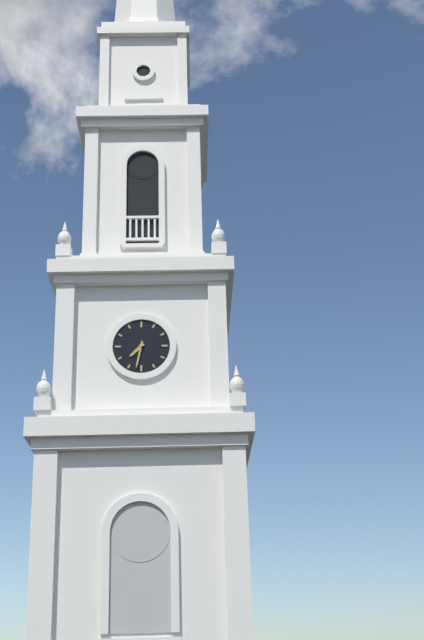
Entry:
7.32
